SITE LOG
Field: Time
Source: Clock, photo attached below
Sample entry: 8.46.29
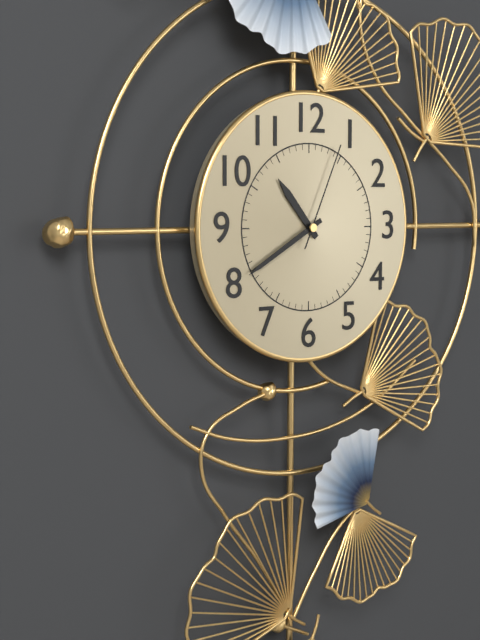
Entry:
10.40.04
